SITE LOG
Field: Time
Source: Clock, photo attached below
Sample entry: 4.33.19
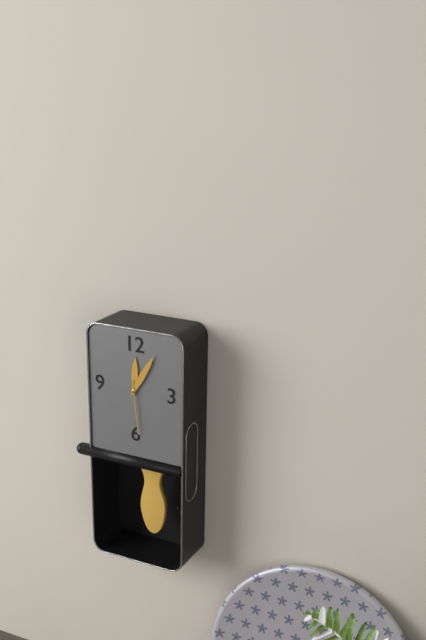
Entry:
12.05.29
